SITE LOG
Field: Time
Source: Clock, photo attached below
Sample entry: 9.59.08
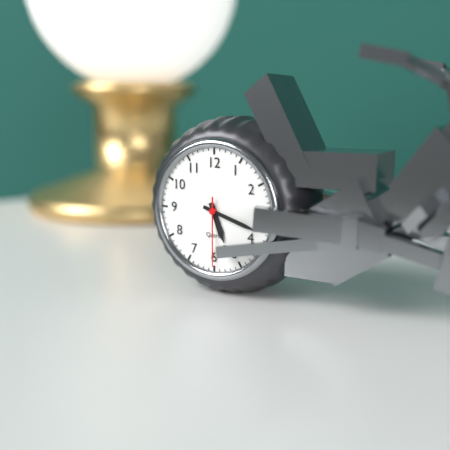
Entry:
5.18.30
